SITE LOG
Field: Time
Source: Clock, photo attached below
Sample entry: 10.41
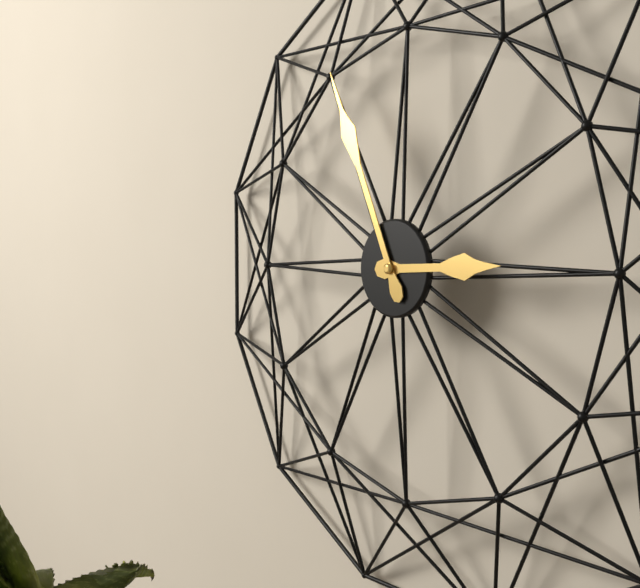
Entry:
2.56
